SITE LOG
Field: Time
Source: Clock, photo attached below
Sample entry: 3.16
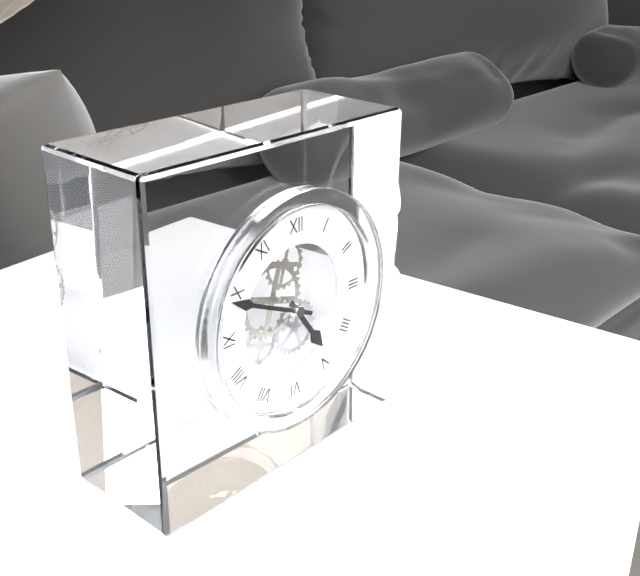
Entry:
4.49
